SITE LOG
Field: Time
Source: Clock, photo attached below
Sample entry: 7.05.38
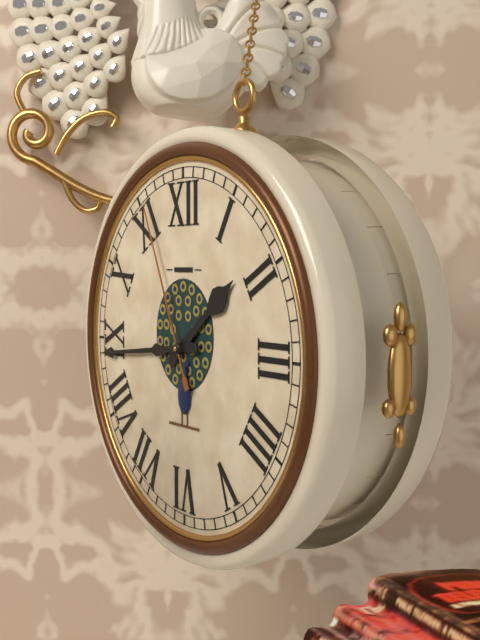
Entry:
1.44.56
